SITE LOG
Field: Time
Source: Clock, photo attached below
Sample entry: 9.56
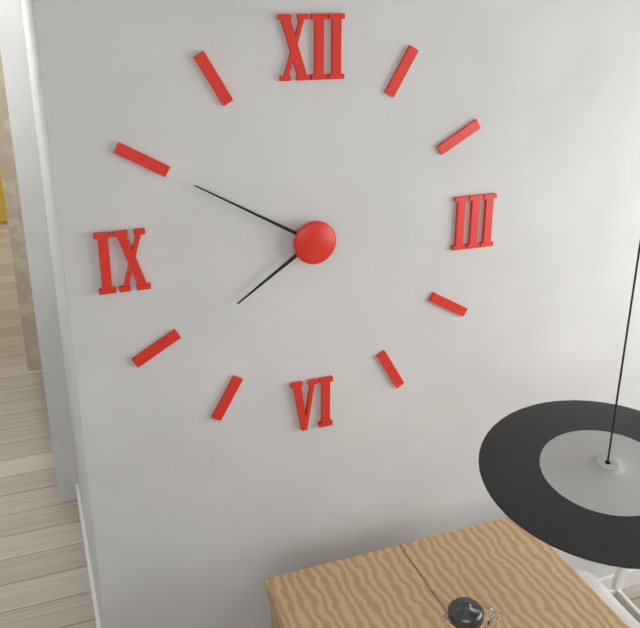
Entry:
7.50
